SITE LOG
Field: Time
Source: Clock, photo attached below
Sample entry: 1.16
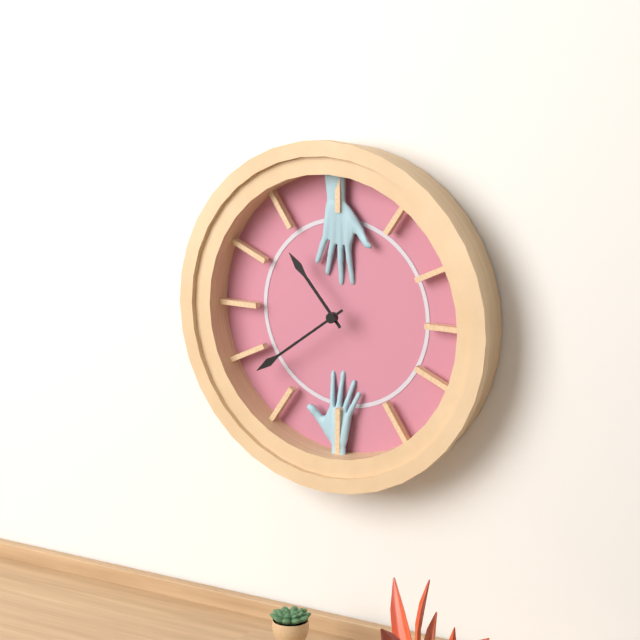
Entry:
10.39
